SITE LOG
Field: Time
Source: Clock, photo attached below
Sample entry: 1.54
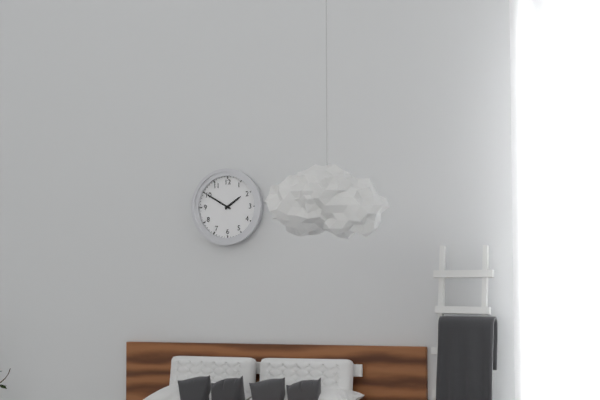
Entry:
1.50
